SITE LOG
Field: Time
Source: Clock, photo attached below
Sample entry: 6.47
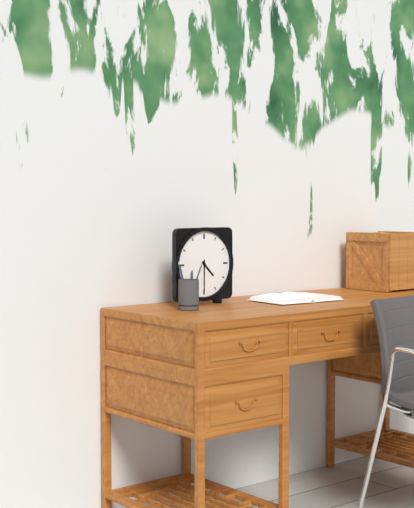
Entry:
4.30
